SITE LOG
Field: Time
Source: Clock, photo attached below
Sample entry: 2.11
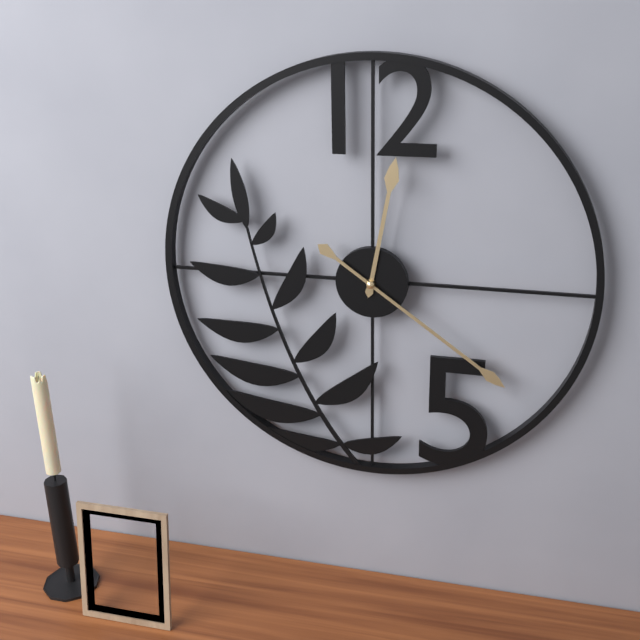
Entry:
12.21
